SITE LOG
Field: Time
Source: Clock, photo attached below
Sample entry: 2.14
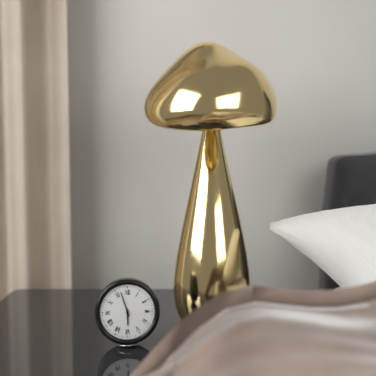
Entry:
5.57
